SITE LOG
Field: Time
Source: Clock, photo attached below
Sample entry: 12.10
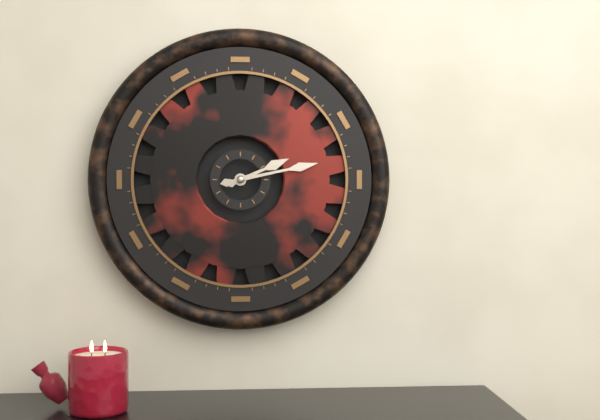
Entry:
2.13
